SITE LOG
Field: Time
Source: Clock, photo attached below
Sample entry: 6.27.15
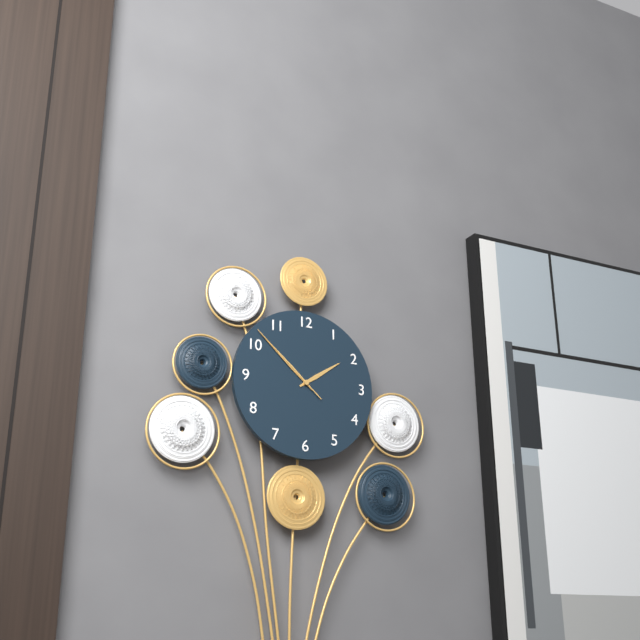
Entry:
1.52.52
